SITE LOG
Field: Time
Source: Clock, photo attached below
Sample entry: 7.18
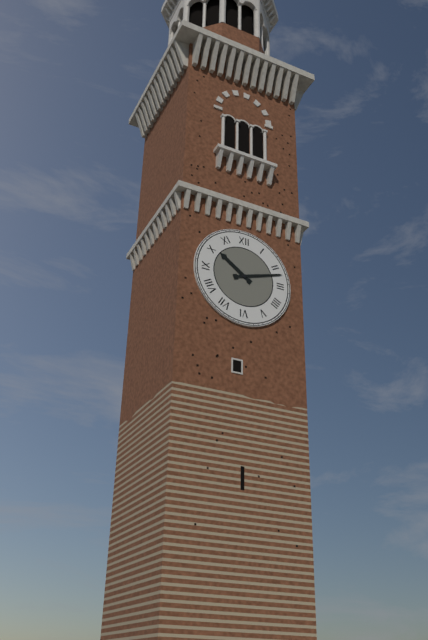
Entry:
10.12
